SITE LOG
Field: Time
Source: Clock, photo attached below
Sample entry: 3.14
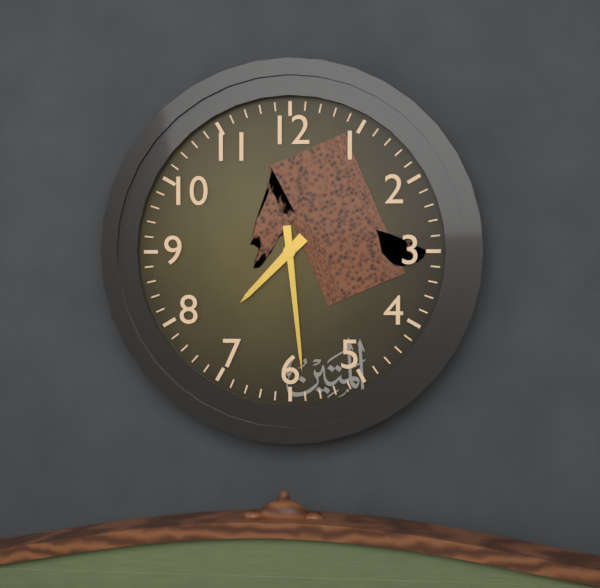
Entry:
7.29
